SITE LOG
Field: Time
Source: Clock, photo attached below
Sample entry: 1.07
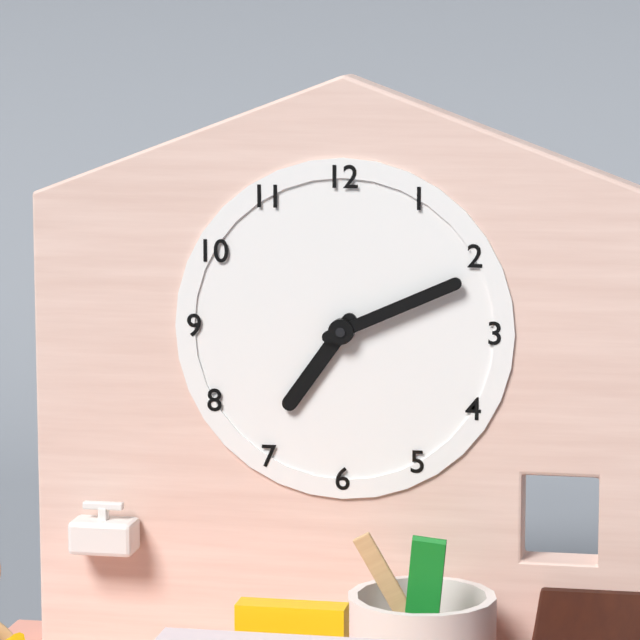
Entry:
7.11
